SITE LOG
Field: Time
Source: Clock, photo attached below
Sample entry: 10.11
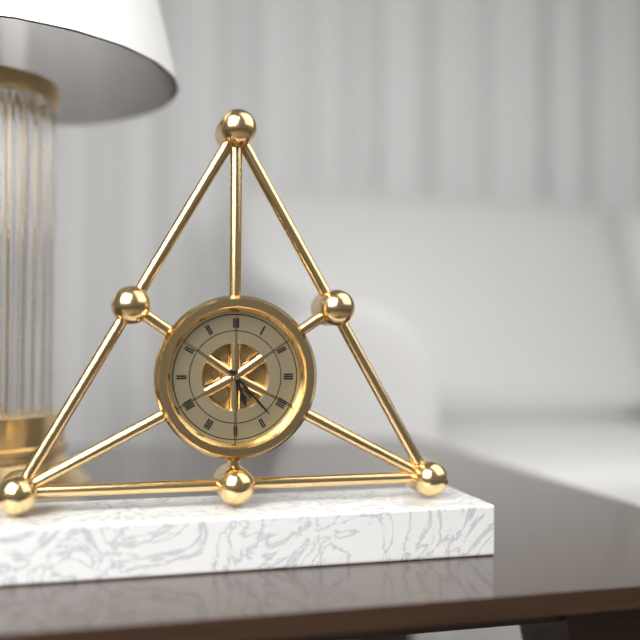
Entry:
5.23
